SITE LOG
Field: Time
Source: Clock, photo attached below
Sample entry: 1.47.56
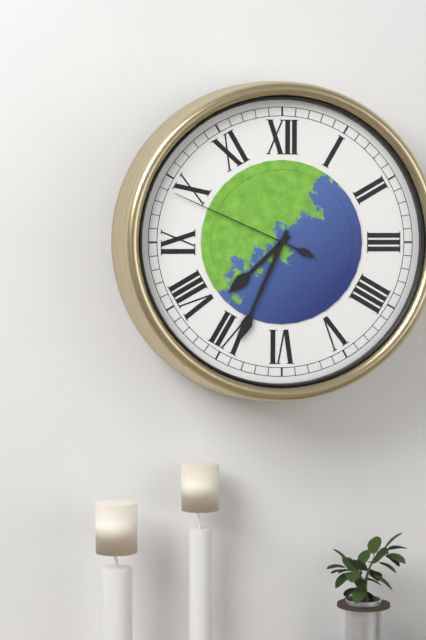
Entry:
7.34.49
